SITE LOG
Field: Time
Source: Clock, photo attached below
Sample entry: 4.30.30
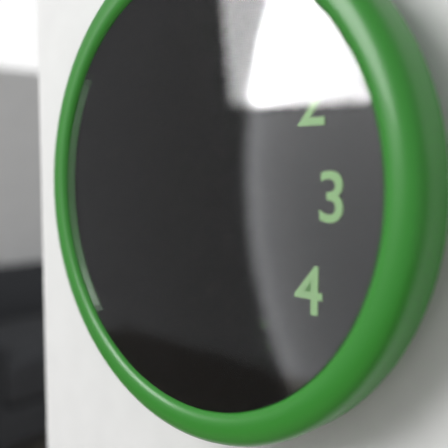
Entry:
10.34.45
